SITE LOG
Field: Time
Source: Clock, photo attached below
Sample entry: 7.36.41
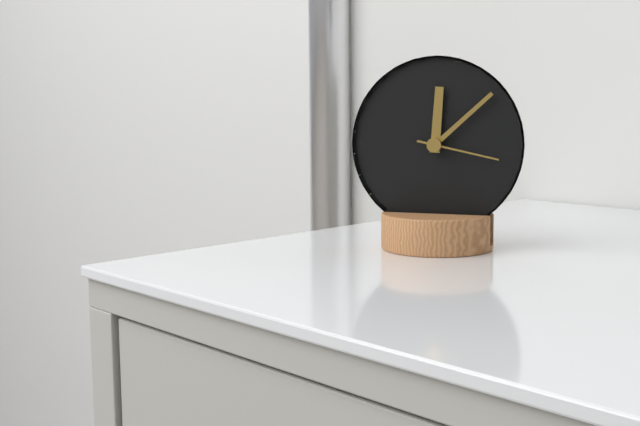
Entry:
12.08.17
